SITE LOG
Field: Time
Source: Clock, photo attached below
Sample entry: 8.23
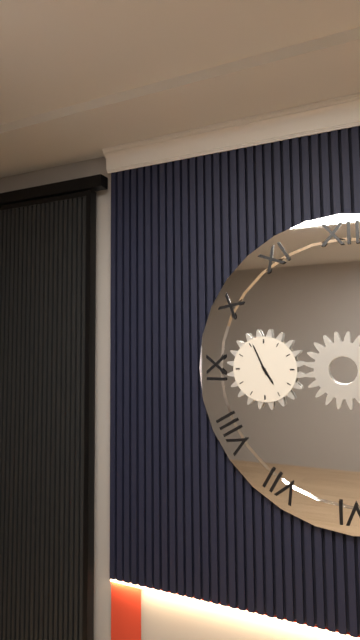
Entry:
4.56
